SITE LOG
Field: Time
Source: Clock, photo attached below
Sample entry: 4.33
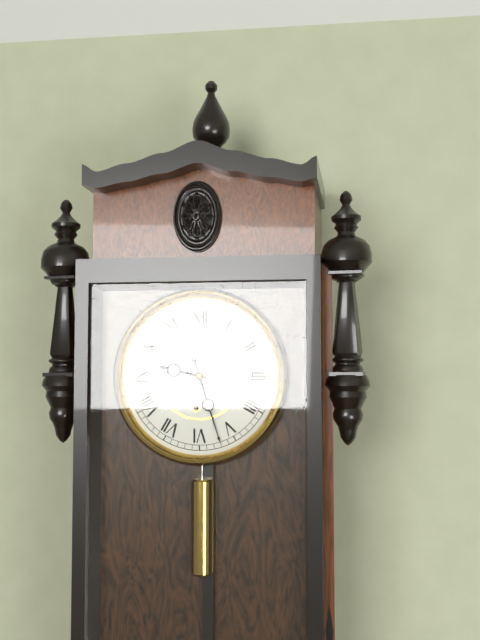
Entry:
9.27
